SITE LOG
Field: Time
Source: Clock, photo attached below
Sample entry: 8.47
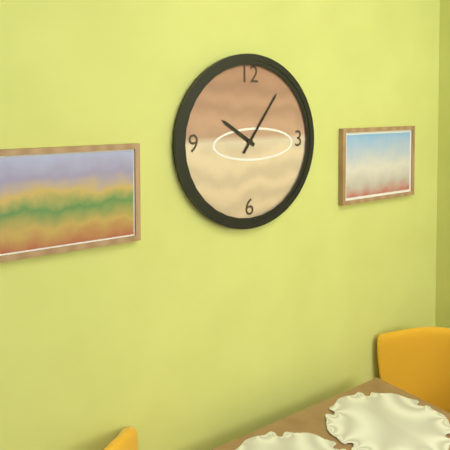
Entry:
10.06
